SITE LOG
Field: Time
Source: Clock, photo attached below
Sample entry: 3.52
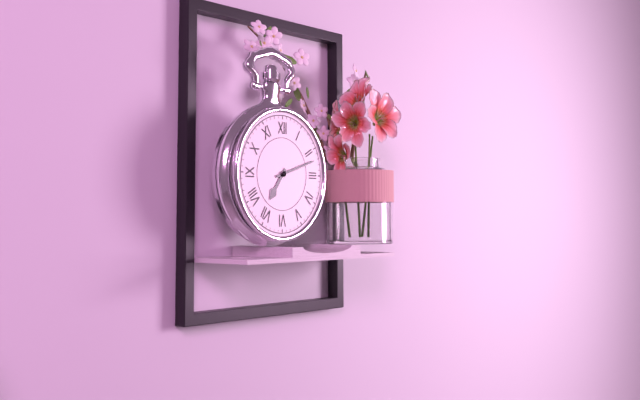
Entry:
7.12
